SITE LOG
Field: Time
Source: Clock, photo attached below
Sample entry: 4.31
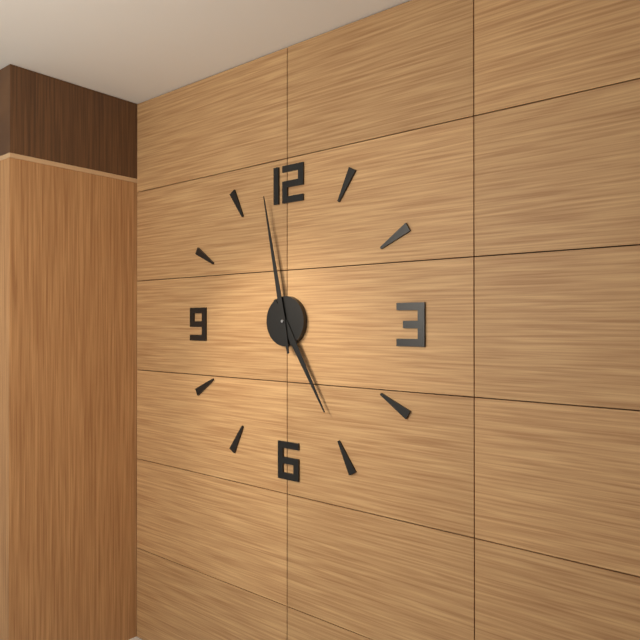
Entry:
4.58
